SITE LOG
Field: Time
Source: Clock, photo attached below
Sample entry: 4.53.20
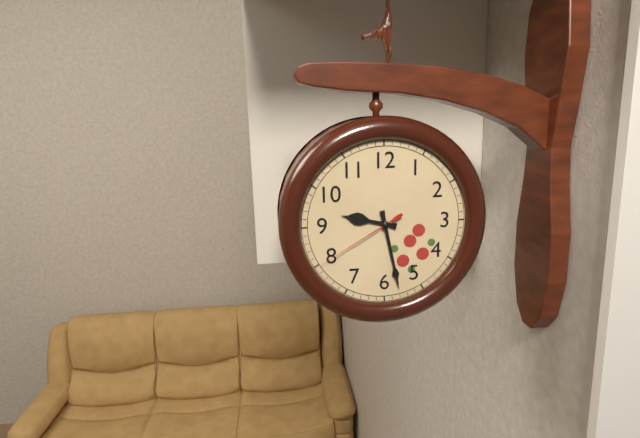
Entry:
9.28.40
